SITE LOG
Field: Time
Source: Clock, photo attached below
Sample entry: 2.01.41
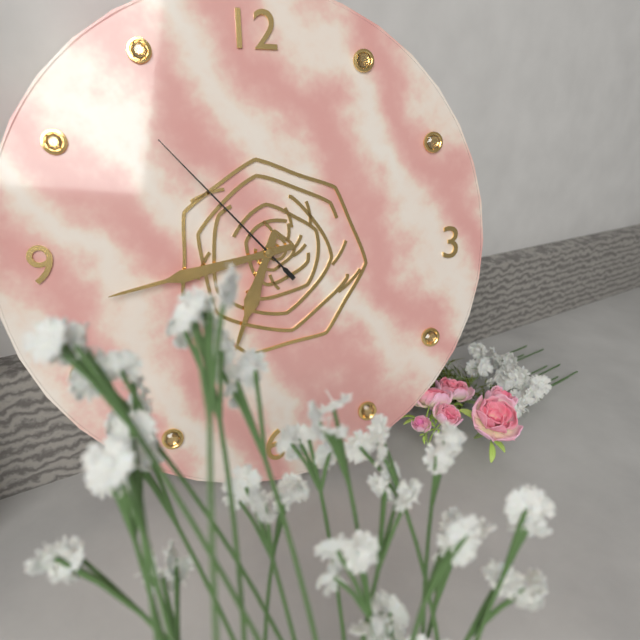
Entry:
6.43.53
